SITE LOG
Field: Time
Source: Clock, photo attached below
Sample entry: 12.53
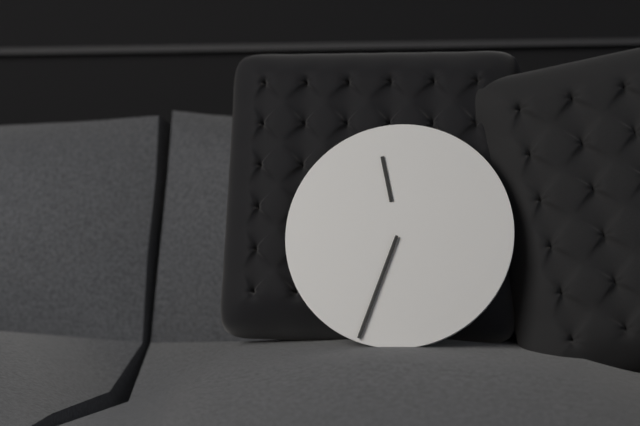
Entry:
11.33
